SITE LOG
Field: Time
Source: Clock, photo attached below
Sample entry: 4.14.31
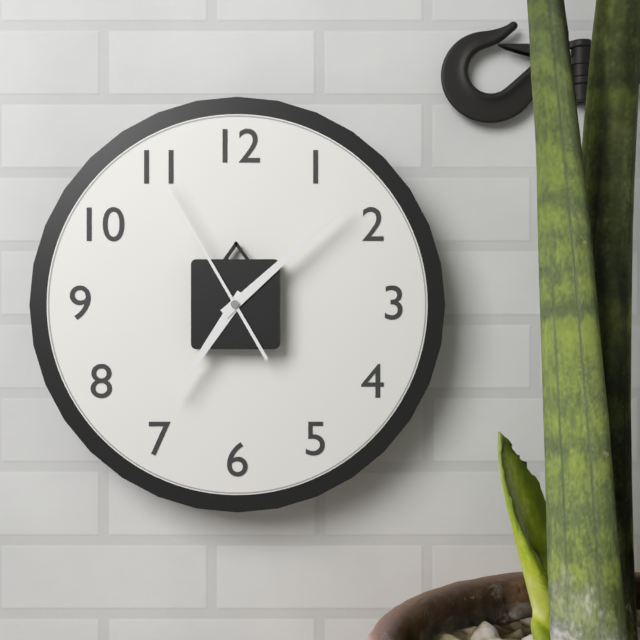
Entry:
7.08.55
